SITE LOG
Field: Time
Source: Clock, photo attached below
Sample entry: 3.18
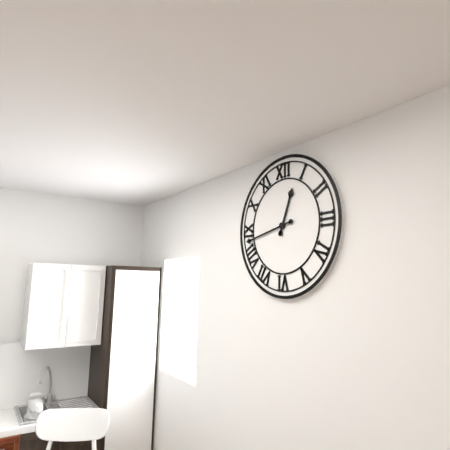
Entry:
12.43
